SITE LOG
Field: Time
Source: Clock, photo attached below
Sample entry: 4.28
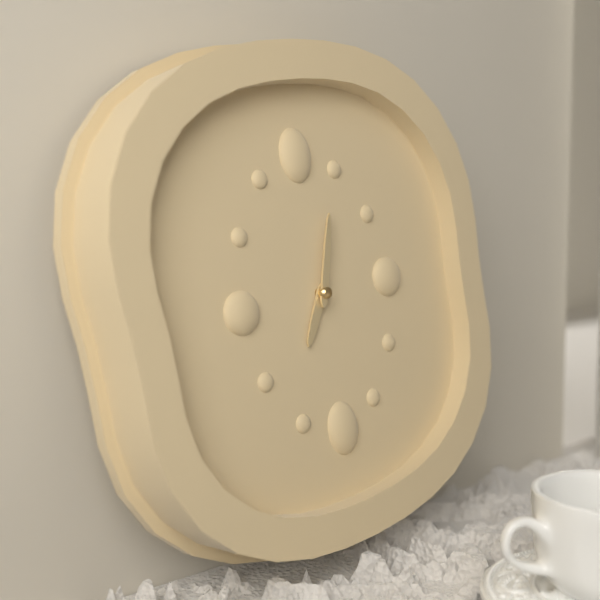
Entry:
7.03
